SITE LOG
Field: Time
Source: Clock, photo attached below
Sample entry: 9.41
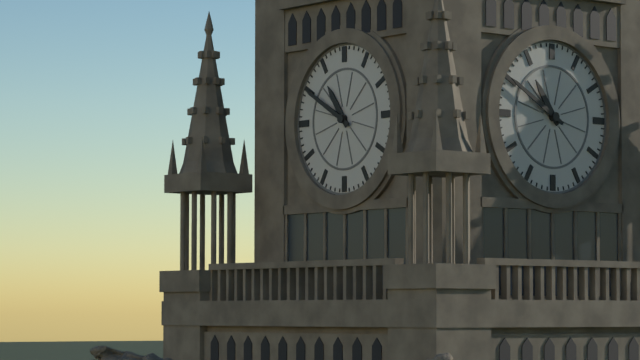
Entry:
10.50
